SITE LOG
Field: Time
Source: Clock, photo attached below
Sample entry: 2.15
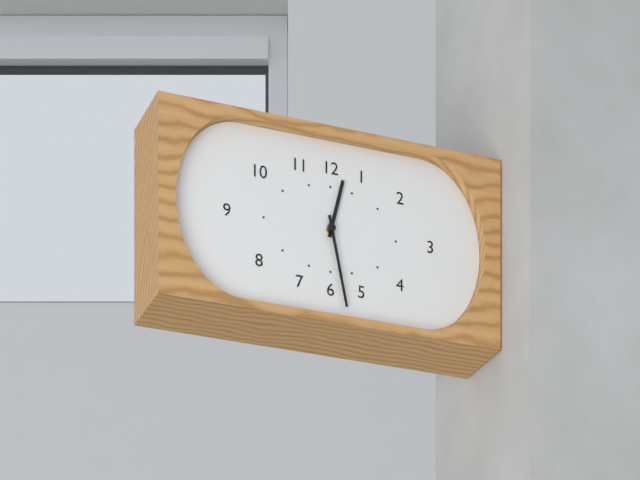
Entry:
12.28
